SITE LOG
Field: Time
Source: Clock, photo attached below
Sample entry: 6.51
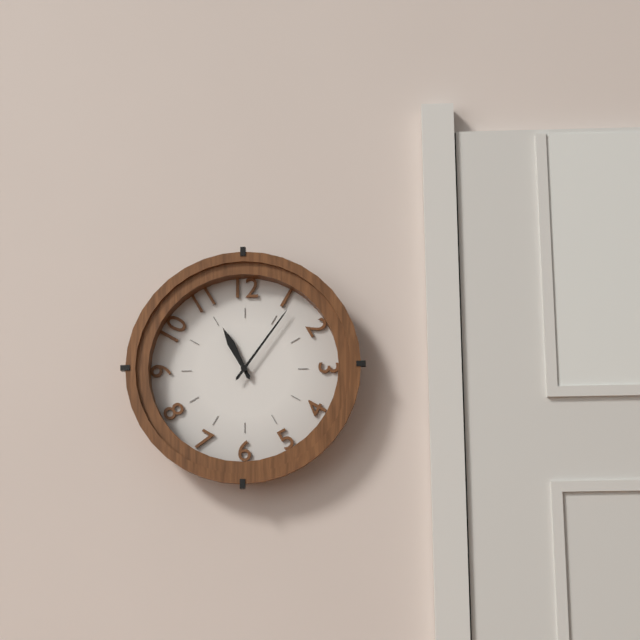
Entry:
11.06
